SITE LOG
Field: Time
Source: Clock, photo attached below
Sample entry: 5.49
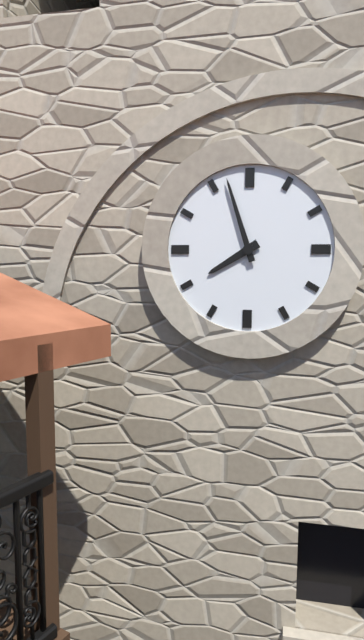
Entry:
7.57
